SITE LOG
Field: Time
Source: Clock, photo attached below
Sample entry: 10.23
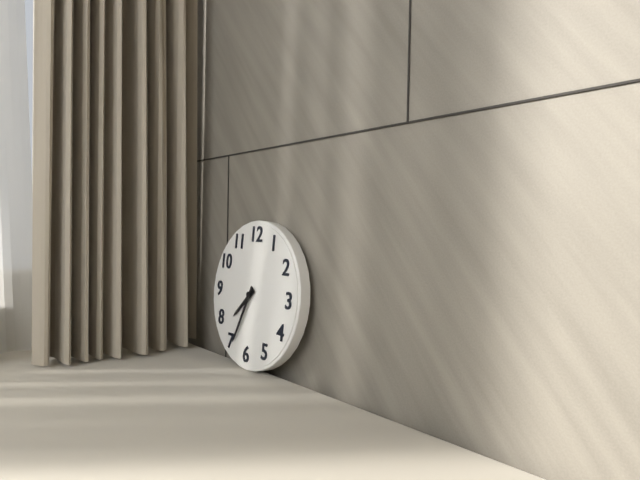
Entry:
7.34
